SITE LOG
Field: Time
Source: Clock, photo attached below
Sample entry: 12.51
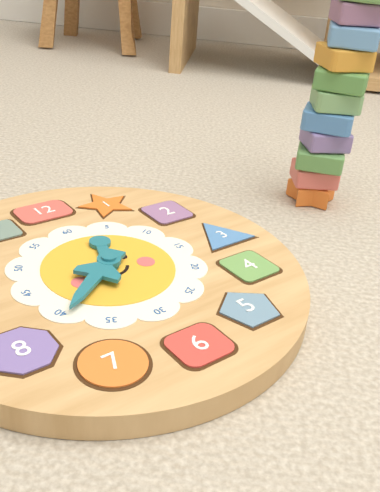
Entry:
12.39
